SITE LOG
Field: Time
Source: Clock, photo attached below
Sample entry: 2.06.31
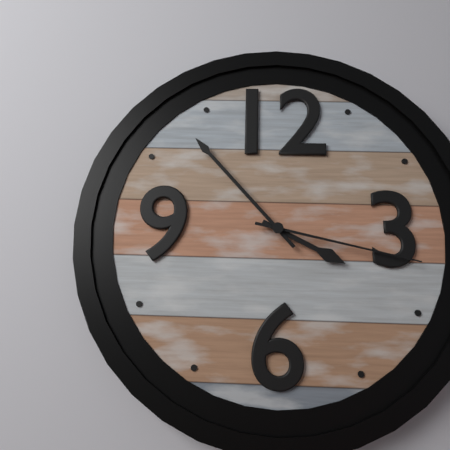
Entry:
3.53.17
